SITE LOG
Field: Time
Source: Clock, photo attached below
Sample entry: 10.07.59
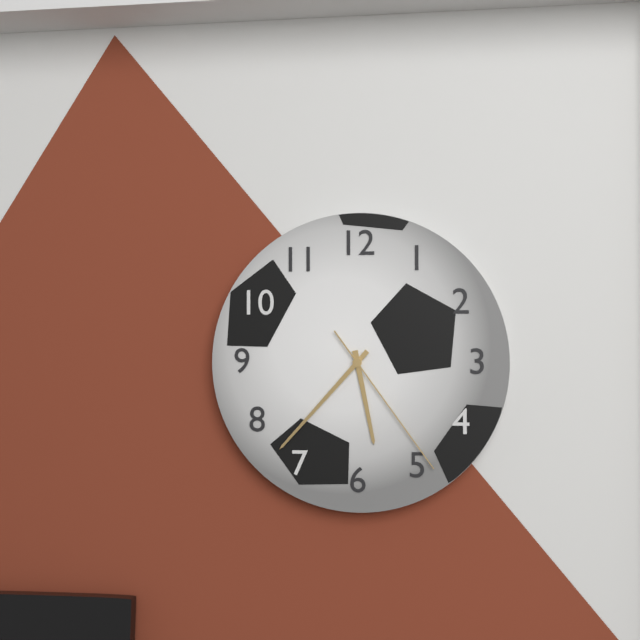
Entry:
5.37.24
